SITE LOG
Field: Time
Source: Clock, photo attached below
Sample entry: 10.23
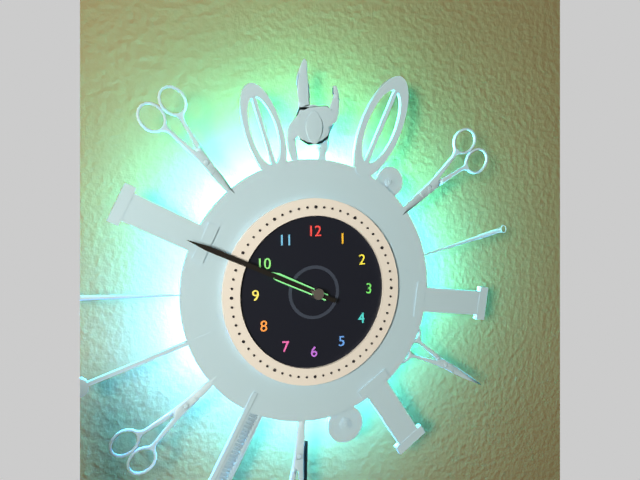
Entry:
9.49
